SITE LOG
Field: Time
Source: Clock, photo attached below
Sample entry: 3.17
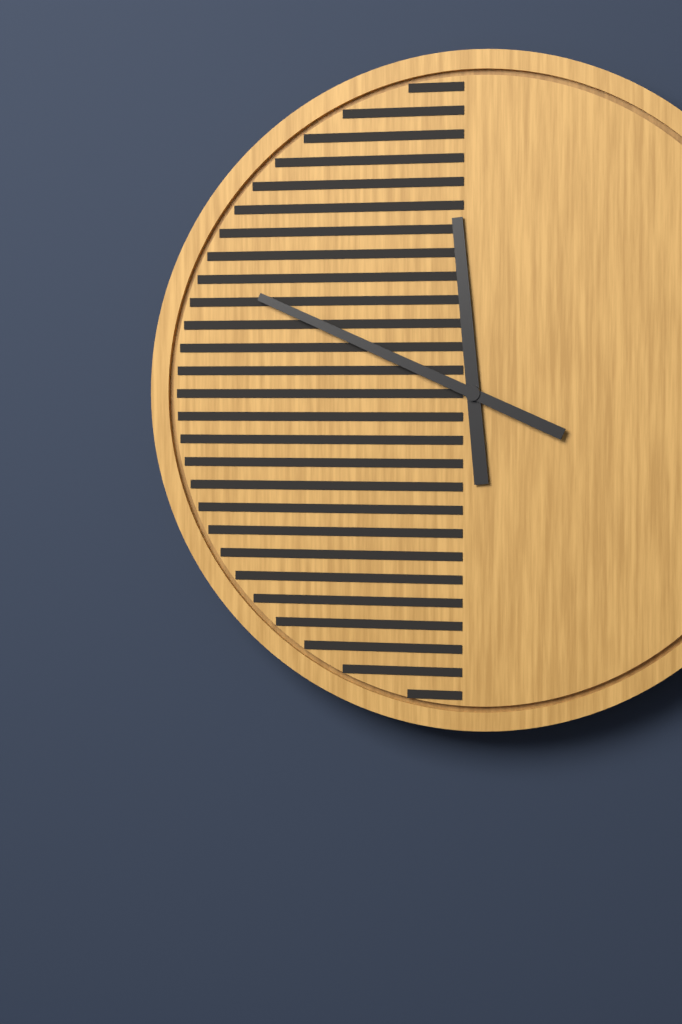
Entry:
11.49
